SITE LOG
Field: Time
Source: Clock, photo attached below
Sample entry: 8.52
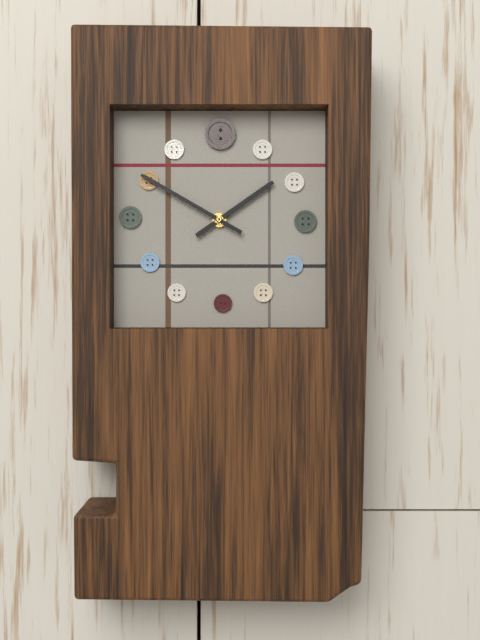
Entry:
1.50
